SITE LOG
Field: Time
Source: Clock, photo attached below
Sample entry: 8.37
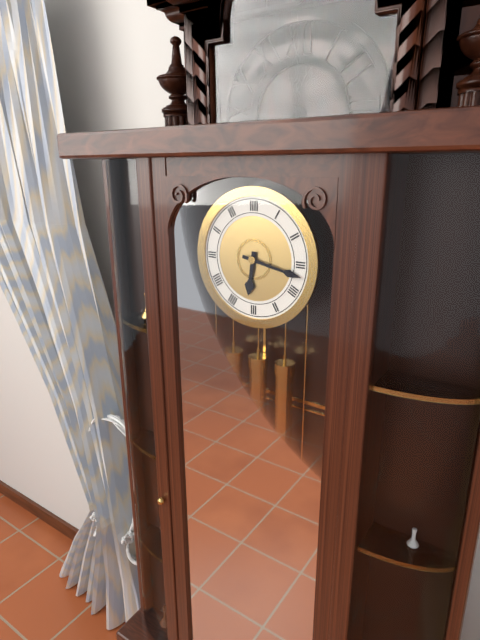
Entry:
6.17
